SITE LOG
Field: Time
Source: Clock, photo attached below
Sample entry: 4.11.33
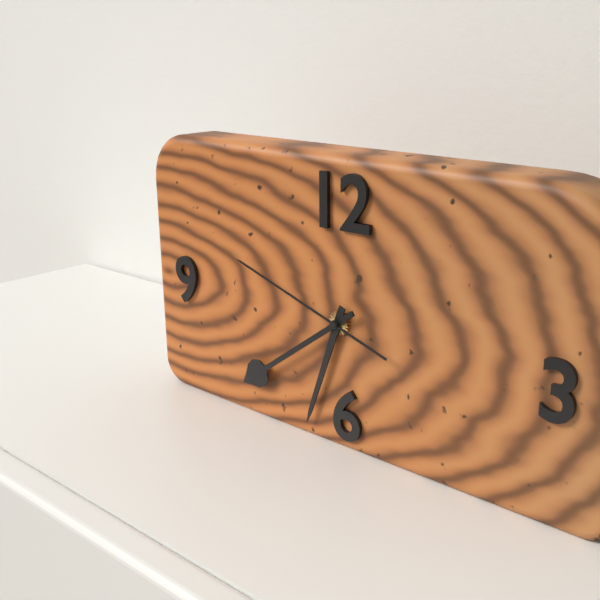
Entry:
6.39.48
